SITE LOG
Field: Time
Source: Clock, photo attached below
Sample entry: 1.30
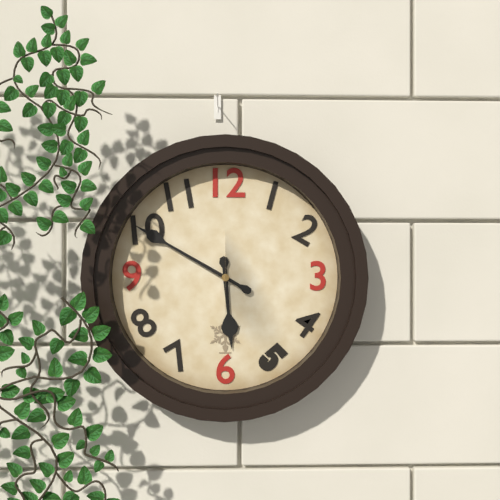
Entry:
5.50
